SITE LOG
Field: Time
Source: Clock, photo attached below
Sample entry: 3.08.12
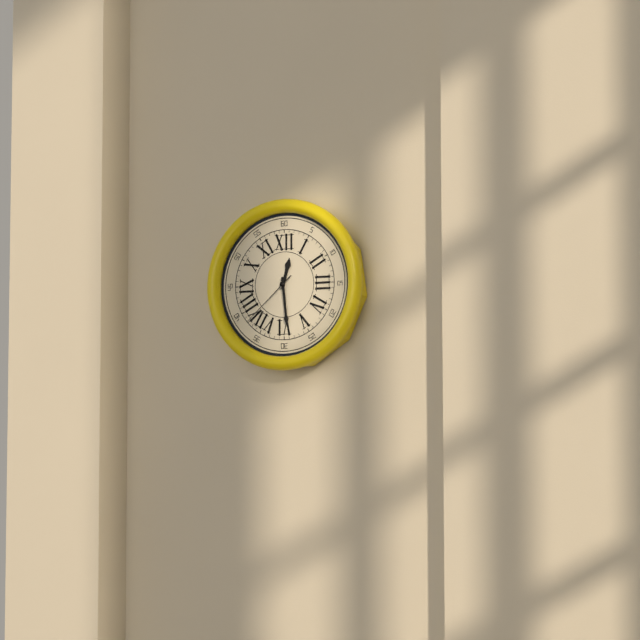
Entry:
12.29.38
